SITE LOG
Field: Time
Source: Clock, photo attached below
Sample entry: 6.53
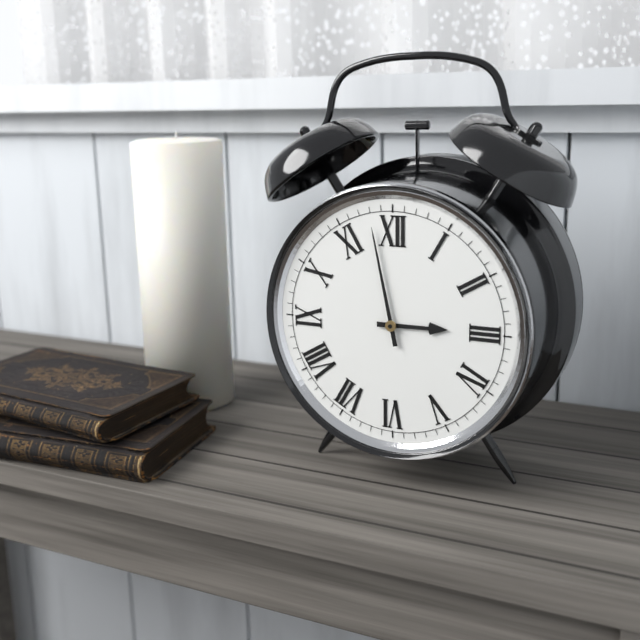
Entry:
2.58
